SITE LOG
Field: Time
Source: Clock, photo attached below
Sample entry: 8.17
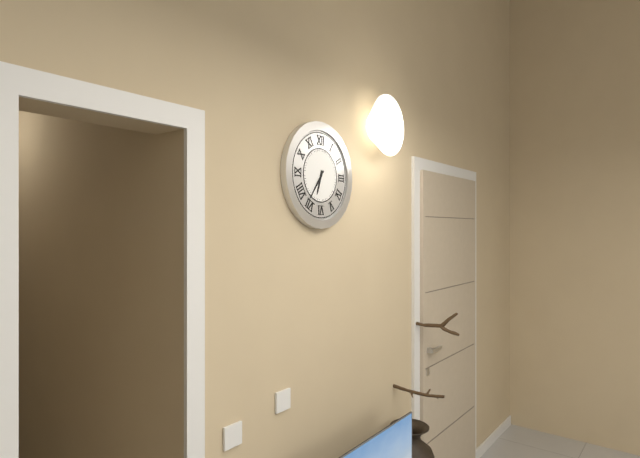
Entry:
6.36
